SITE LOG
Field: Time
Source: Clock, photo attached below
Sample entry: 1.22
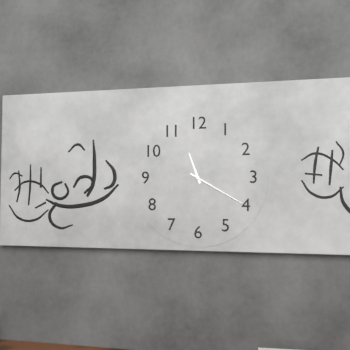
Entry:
11.20
